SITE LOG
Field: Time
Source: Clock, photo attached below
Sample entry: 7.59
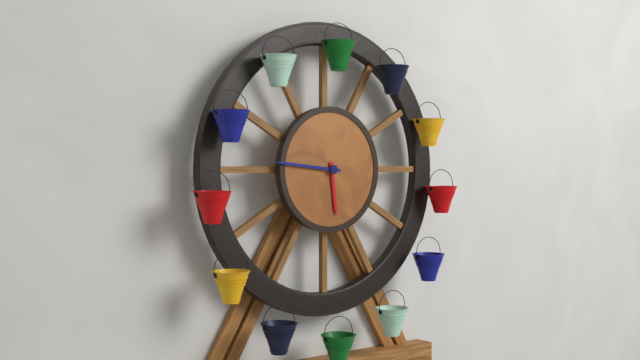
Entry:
5.46
